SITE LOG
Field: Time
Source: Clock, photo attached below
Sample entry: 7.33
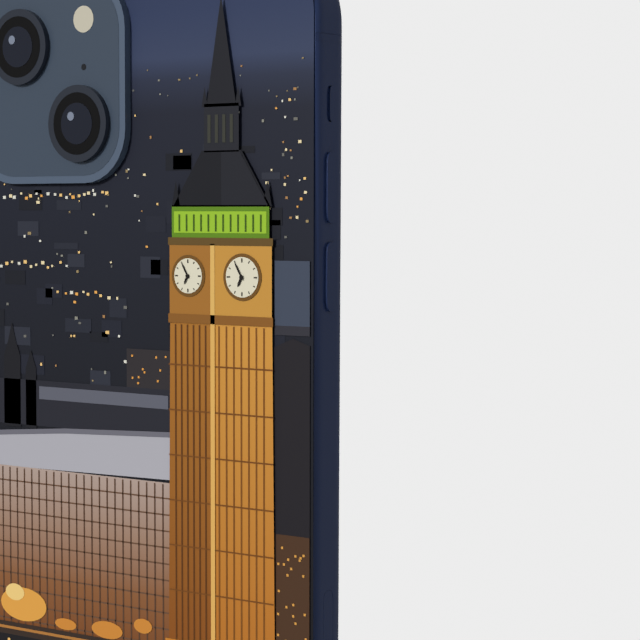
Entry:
6.55
